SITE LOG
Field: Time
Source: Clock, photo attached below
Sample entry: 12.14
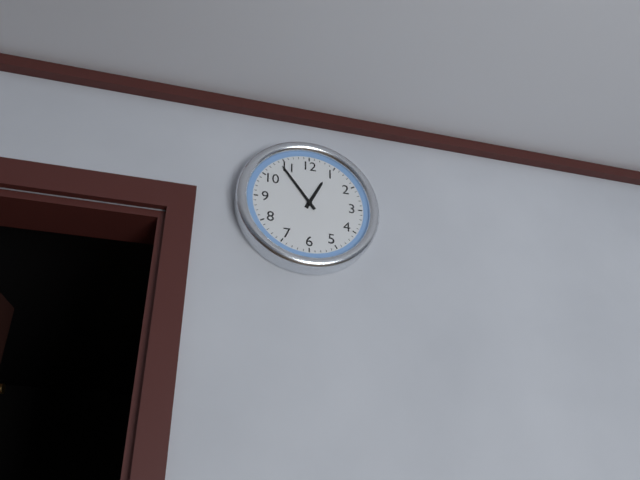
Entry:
12.54
